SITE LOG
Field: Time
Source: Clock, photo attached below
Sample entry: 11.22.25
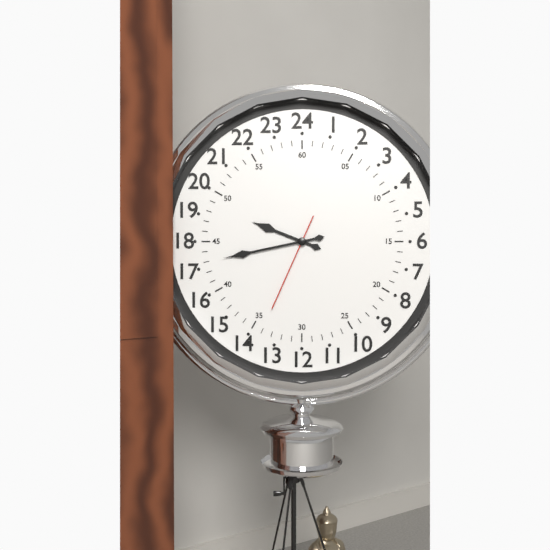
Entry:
9.43.34
